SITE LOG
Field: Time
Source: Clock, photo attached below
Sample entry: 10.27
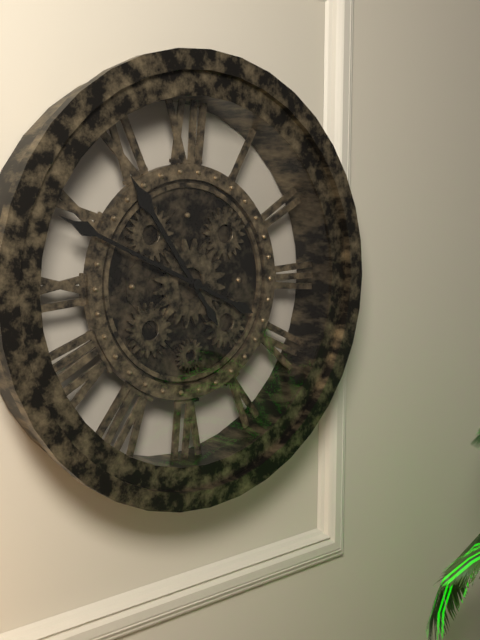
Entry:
10.49
